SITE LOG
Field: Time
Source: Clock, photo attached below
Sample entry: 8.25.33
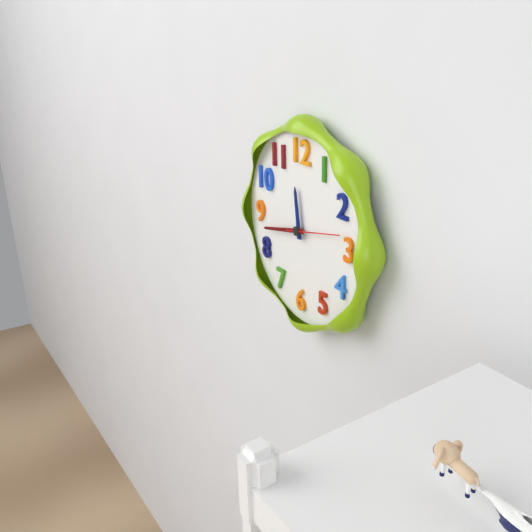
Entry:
11.43.13
